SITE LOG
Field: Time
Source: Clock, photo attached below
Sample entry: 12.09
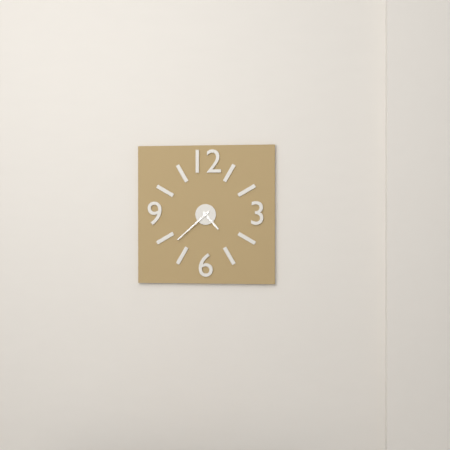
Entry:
4.38
